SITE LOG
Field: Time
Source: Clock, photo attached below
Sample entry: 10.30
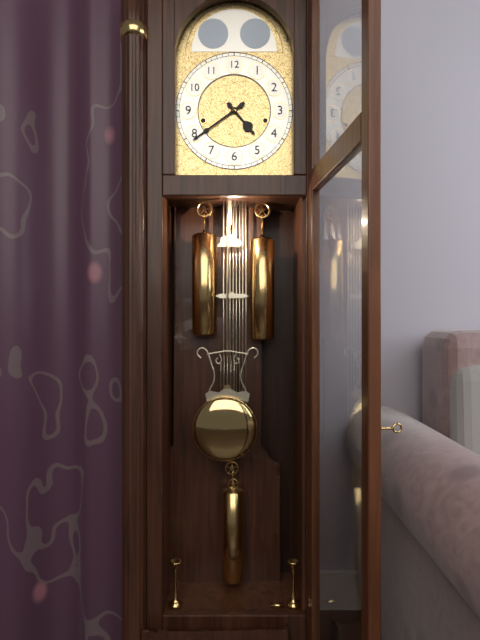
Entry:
4.39
